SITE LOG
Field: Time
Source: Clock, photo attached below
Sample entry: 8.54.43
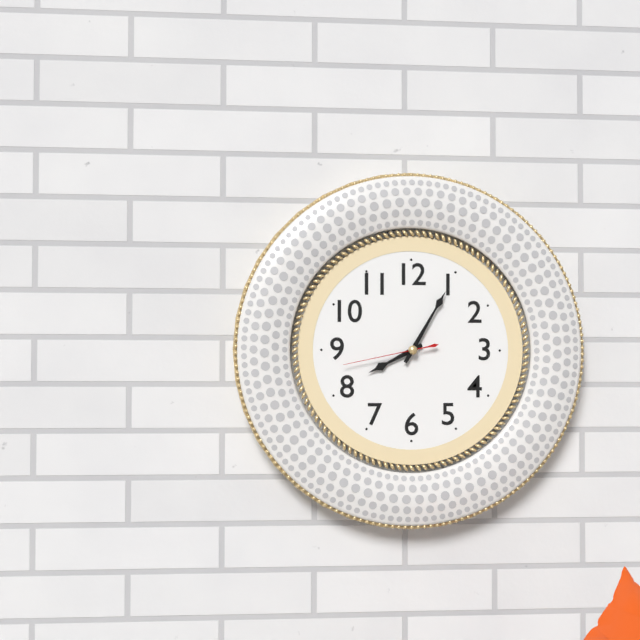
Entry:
8.05.43
